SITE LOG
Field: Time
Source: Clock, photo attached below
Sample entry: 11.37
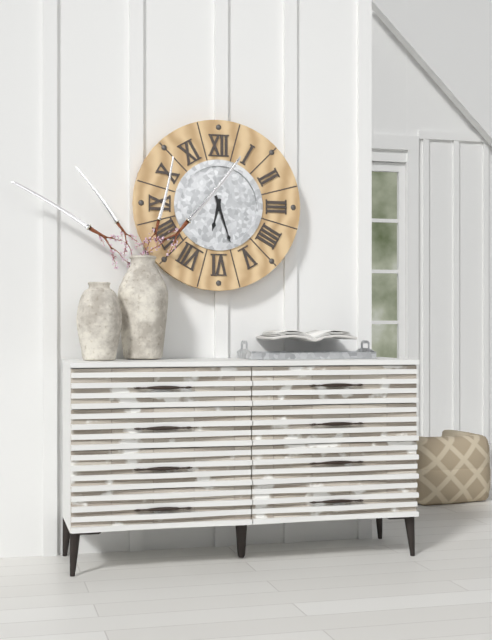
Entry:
6.27
